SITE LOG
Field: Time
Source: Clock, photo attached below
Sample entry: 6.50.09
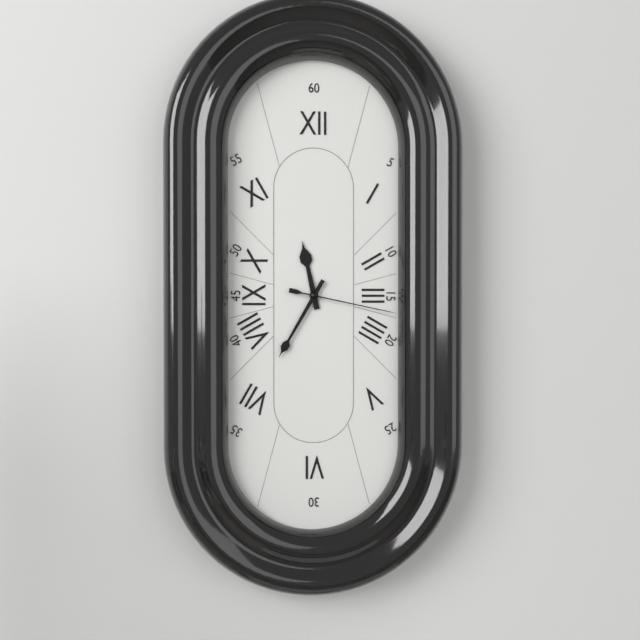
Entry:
11.35.17
